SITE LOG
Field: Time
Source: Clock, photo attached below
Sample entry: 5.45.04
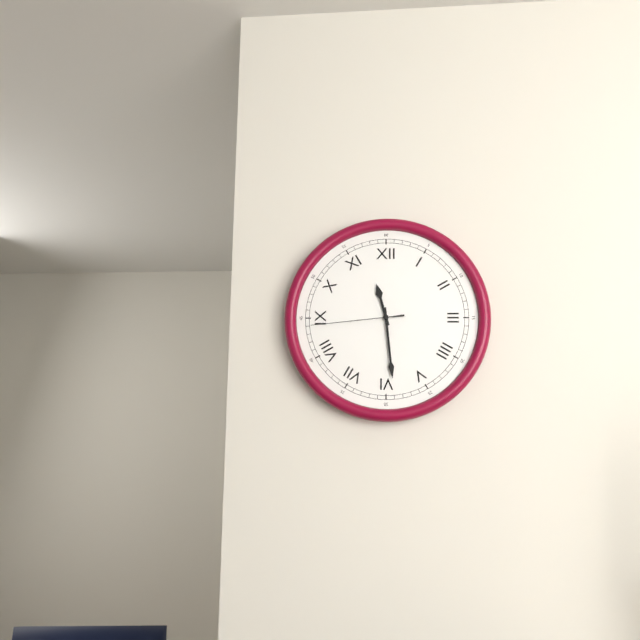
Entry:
11.29.44
